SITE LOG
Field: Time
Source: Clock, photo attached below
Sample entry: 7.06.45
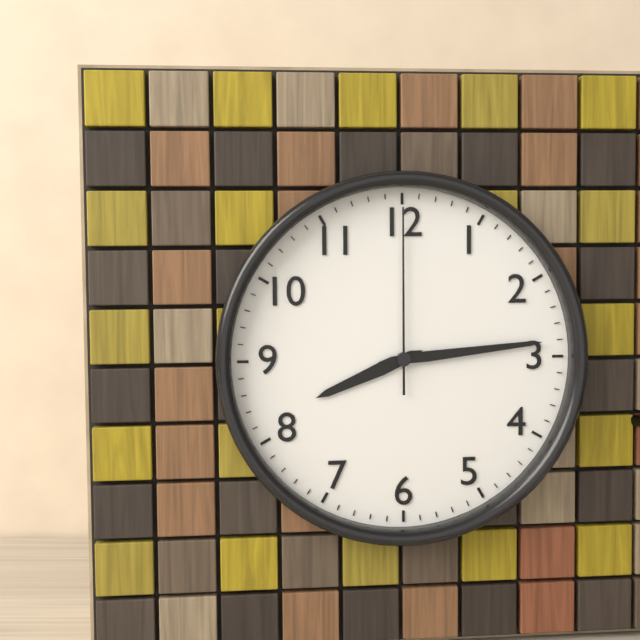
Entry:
8.14.00
